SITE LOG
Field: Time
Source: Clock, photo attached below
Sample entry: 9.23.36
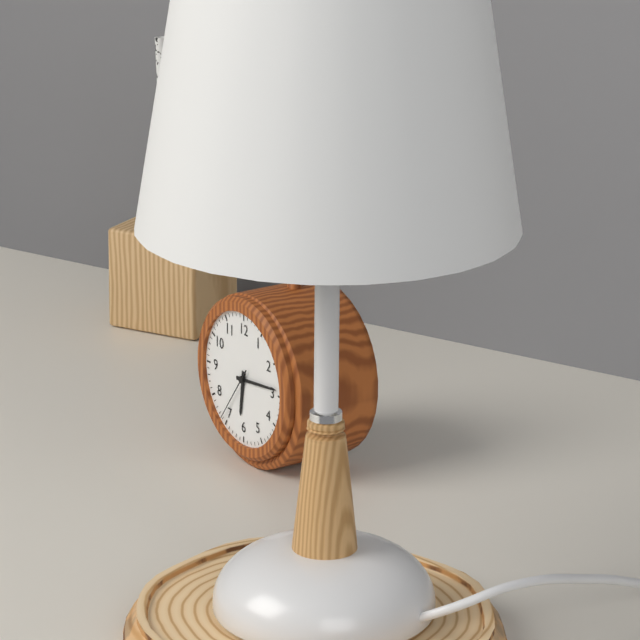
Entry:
6.14.36
